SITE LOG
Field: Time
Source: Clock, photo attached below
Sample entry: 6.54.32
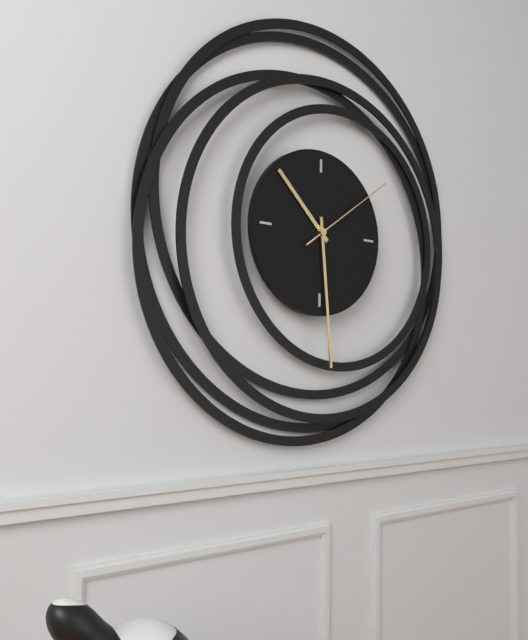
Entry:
10.29.09
